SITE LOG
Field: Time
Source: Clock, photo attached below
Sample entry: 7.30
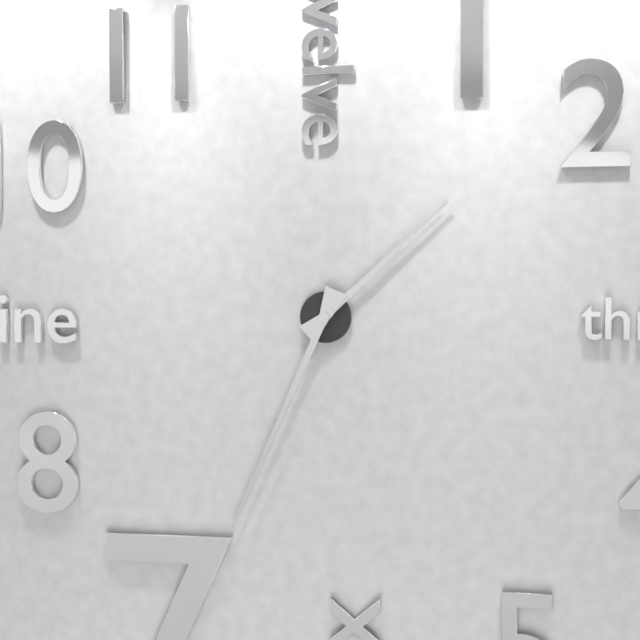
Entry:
1.34
